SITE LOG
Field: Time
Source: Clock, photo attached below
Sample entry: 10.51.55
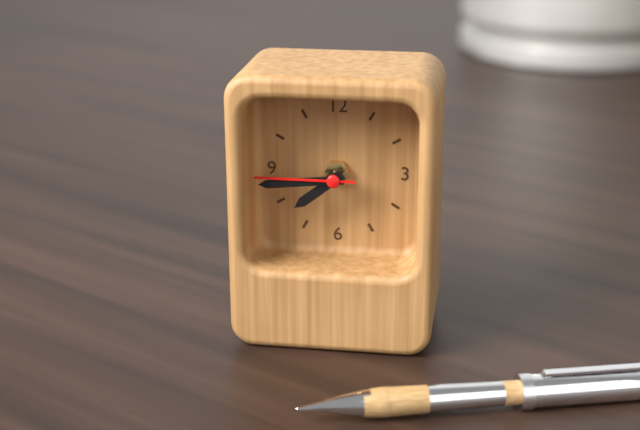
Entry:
7.44.45
